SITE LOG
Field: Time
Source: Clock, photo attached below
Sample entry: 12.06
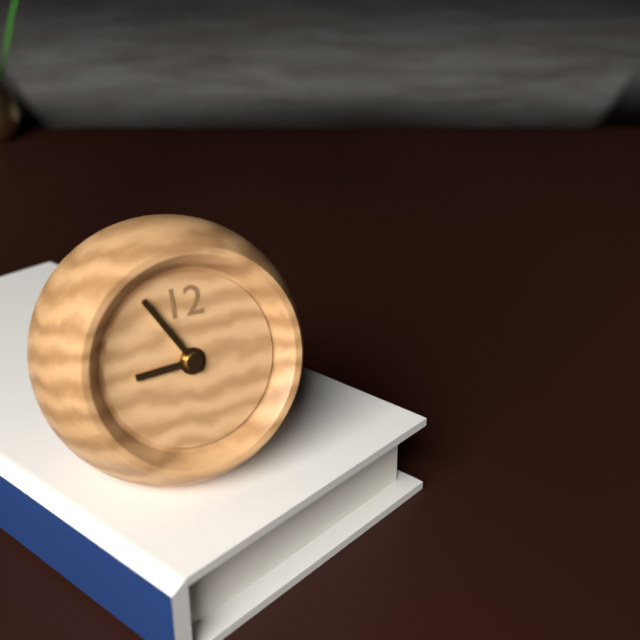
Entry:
8.55
